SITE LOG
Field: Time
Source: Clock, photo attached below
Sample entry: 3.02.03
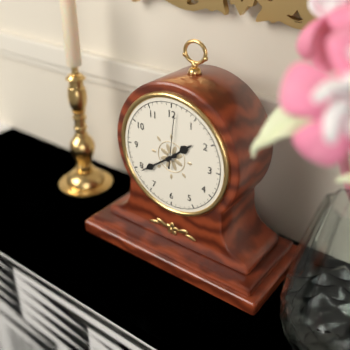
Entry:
1.39.01
